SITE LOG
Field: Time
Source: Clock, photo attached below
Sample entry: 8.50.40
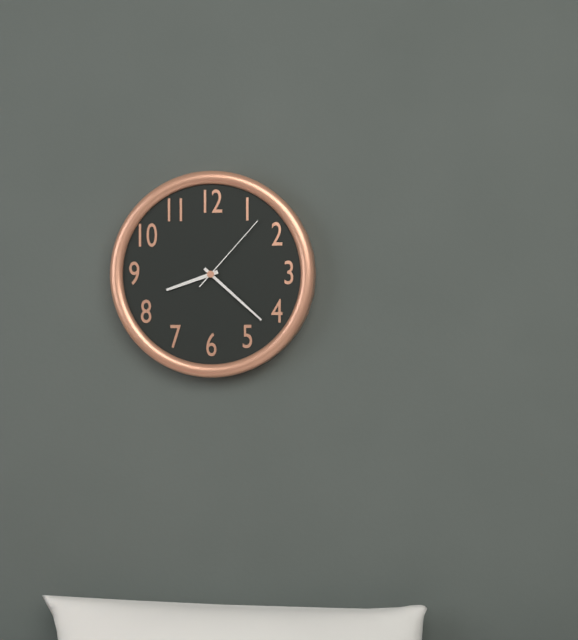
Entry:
8.22.07
